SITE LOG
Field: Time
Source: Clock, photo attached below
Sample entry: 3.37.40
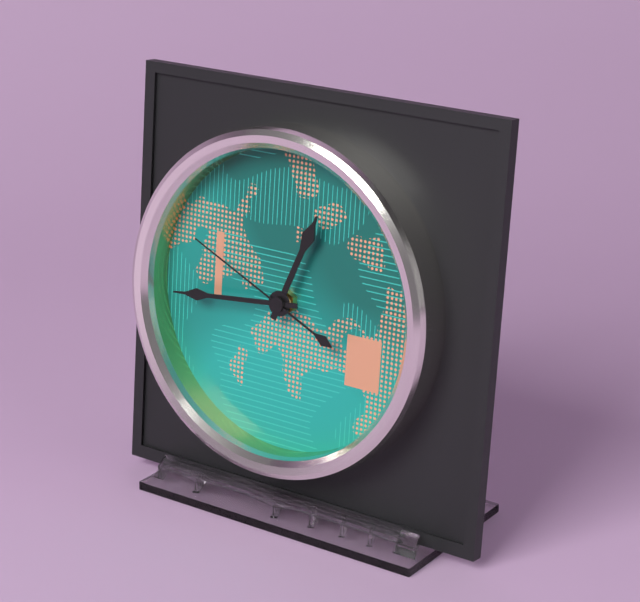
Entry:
12.44.49
